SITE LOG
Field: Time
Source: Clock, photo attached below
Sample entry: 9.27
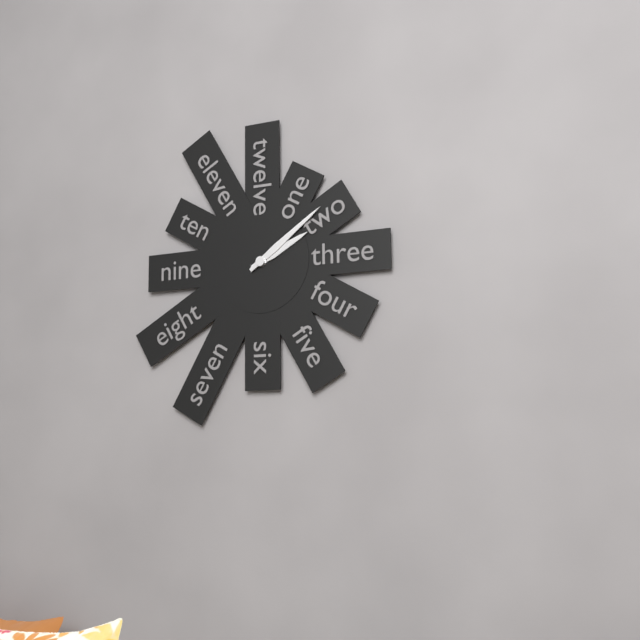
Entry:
2.09
